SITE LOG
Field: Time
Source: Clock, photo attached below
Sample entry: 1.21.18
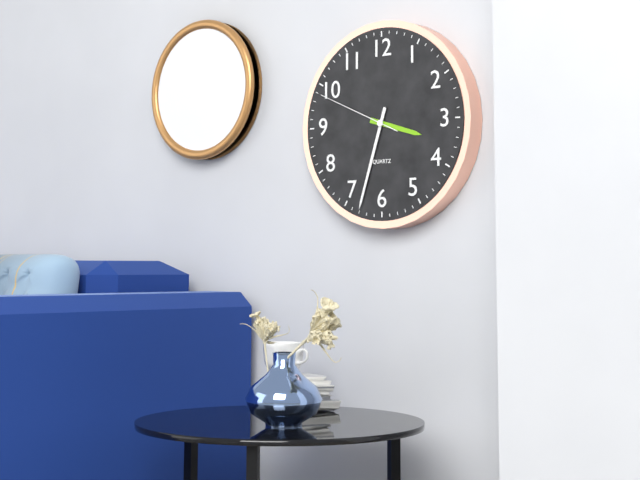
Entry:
3.33.49
